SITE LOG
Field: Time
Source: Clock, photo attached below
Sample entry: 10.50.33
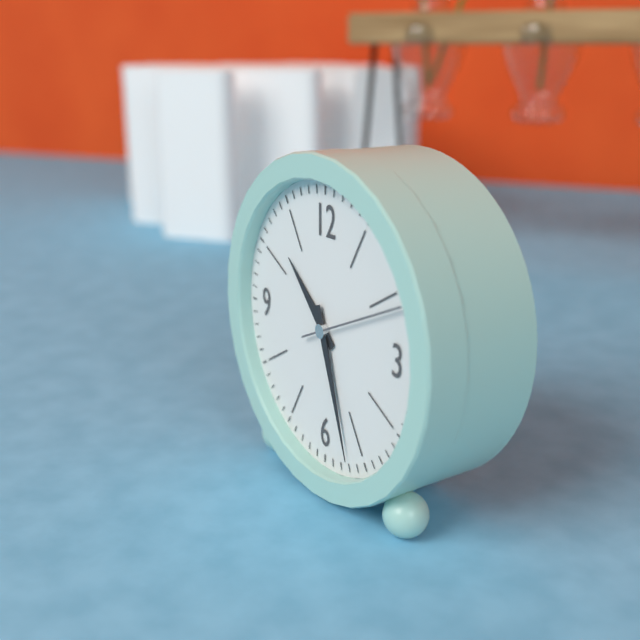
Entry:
10.27.11
